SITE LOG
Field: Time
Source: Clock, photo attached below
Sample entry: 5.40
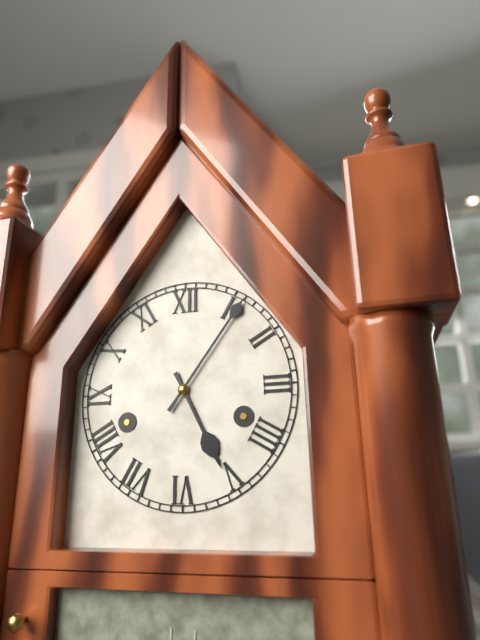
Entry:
5.06
